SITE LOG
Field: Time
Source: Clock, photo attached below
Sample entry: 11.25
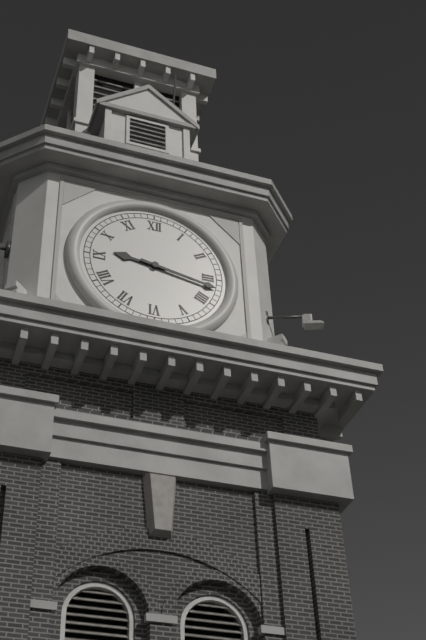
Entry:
9.17
